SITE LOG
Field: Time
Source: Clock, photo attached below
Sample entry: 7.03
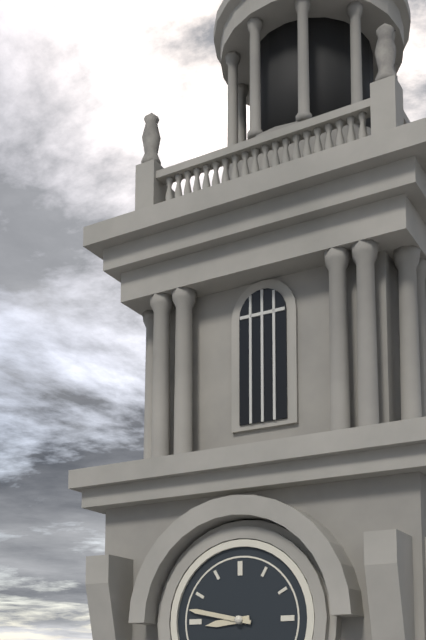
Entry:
8.47
